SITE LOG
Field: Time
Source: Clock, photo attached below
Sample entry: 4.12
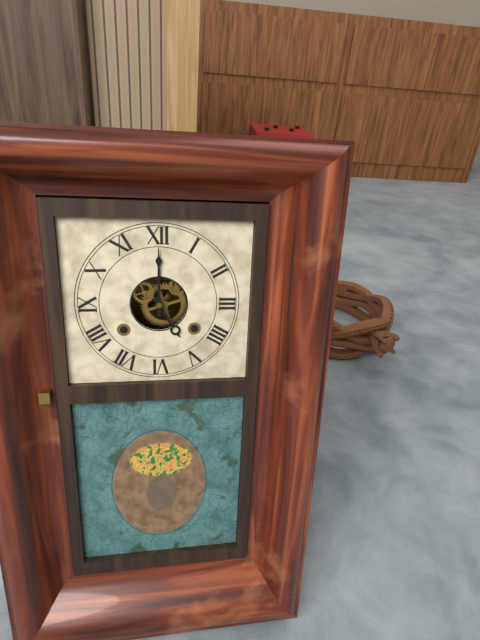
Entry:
5.00
